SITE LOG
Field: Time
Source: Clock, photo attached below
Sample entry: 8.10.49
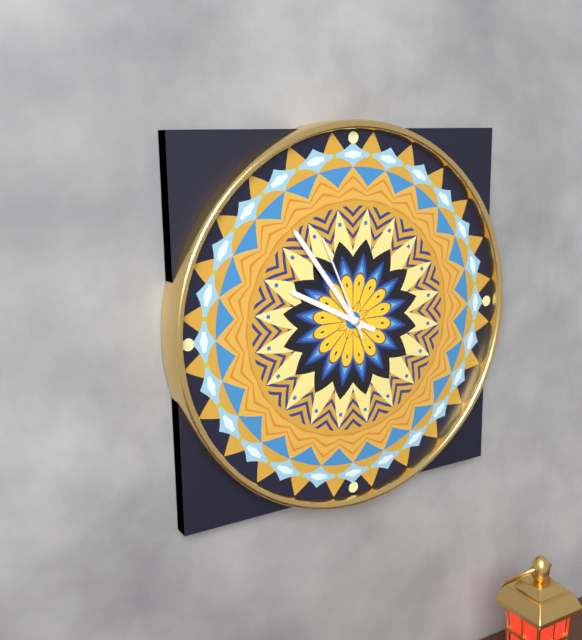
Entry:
9.54.56
